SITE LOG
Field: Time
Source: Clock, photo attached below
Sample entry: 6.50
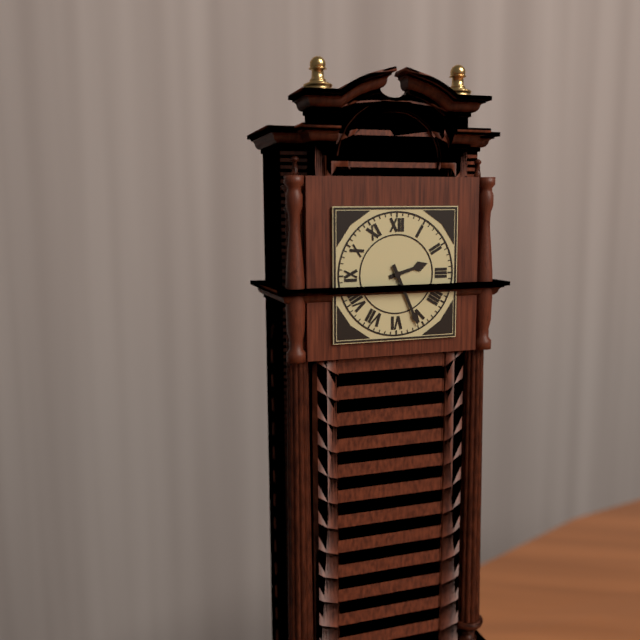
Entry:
2.26
